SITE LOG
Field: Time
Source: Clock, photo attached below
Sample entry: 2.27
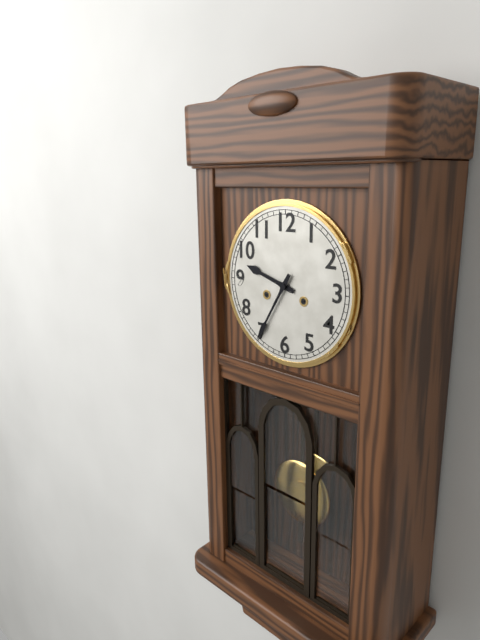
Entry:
9.35
